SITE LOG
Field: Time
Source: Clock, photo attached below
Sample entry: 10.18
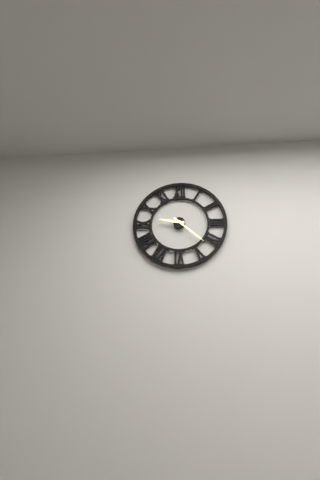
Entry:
9.22
